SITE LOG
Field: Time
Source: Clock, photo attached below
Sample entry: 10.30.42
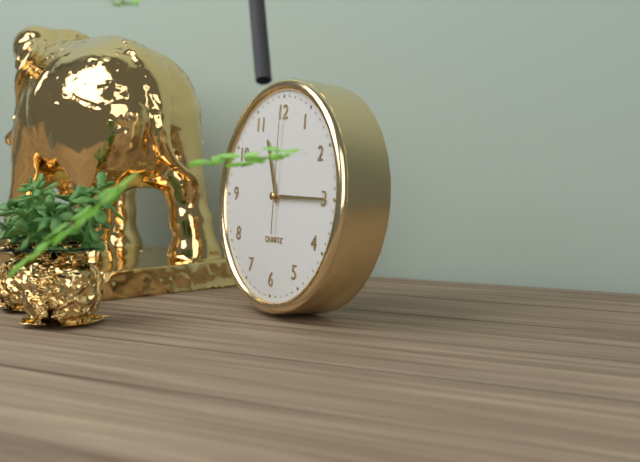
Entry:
11.15.00
